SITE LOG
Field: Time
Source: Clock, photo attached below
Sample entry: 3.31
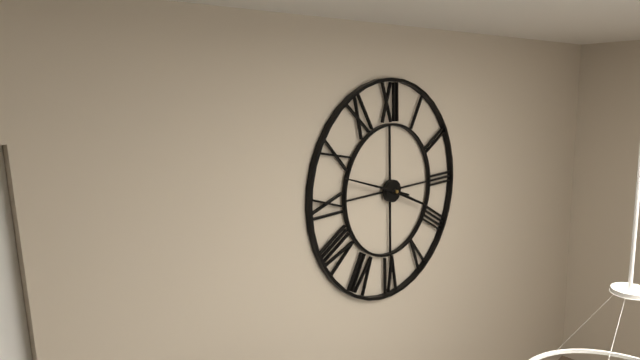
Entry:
3.48
